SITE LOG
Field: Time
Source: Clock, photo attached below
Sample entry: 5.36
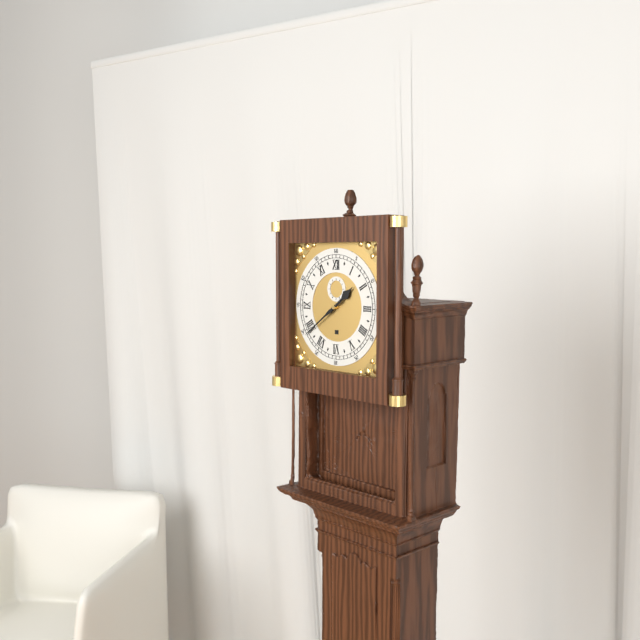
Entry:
1.39
